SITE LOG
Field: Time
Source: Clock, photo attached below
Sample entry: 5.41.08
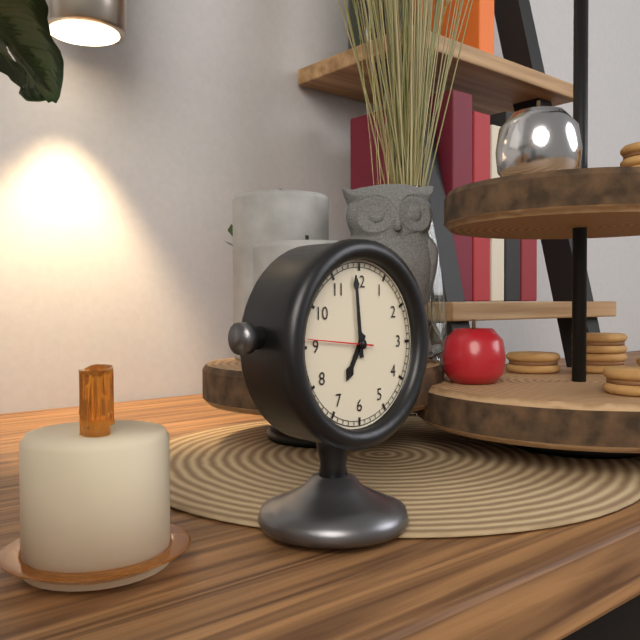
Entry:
6.59.46
